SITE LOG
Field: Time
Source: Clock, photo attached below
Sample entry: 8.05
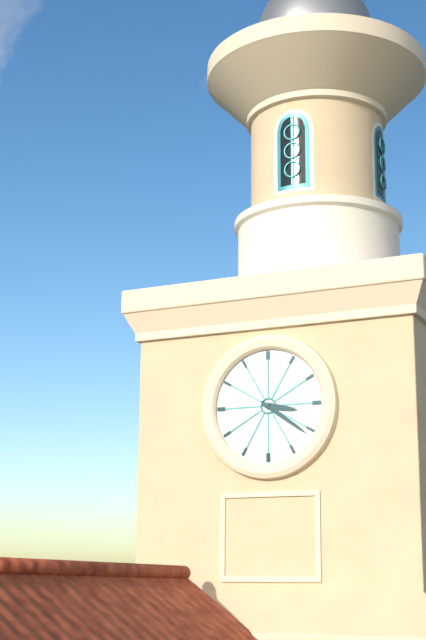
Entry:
3.21
